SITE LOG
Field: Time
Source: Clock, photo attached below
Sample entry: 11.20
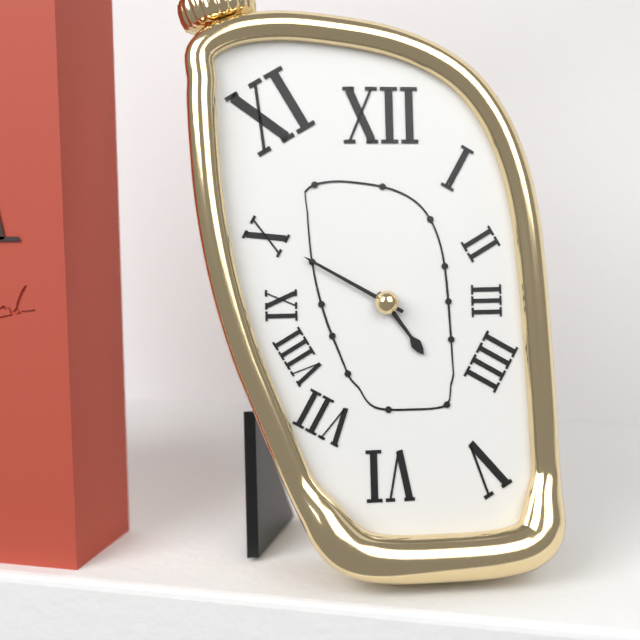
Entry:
4.50
